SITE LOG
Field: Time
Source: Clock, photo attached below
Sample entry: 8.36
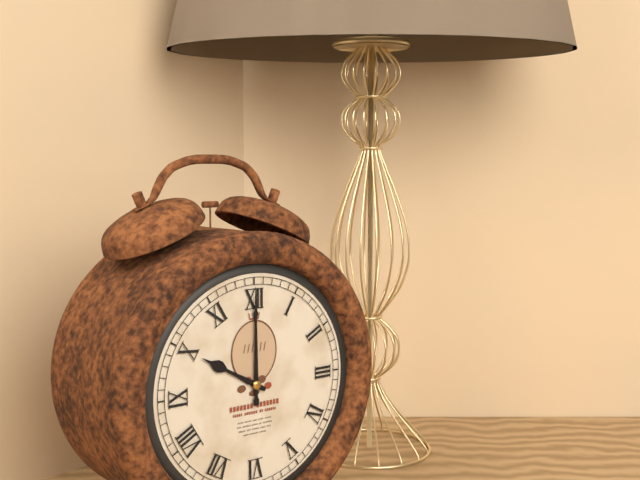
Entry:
10.00
